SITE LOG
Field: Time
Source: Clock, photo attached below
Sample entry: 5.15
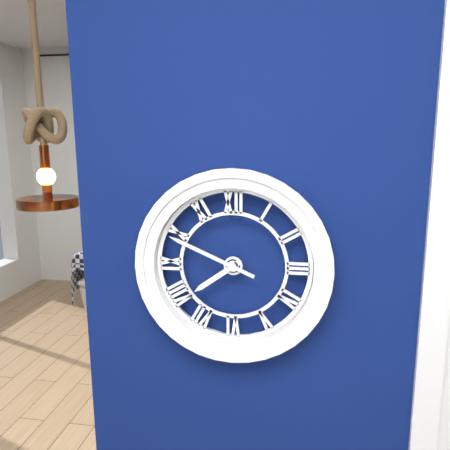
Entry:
7.49
